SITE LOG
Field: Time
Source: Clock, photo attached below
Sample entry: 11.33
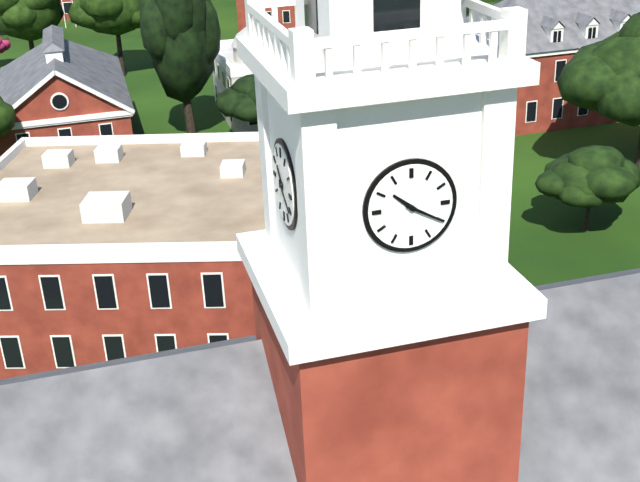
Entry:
10.20
